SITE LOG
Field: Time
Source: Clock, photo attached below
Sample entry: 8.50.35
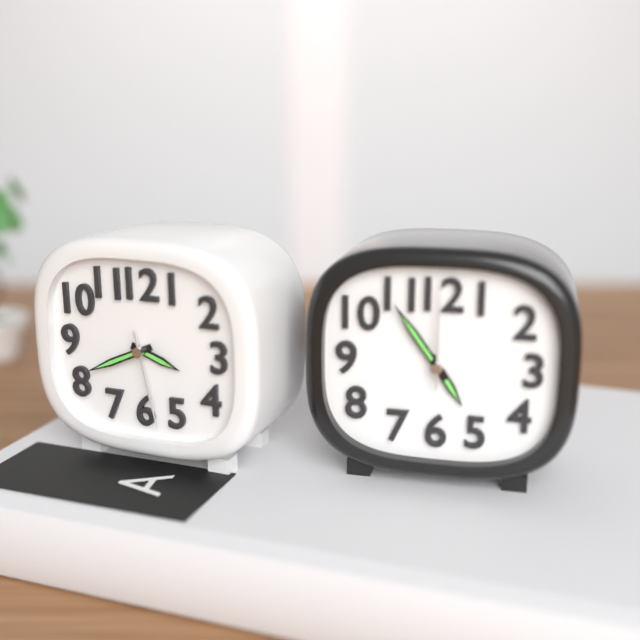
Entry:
3.41.28
